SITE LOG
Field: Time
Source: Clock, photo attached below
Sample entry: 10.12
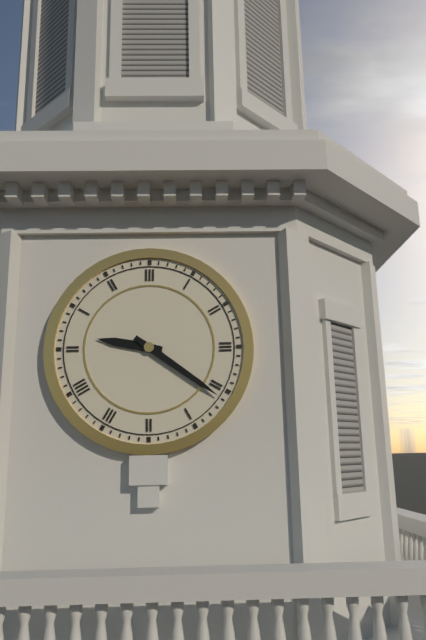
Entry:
9.21
